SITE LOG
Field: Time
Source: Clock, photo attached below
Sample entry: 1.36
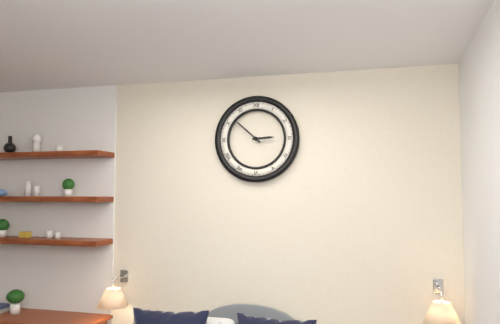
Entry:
2.52
